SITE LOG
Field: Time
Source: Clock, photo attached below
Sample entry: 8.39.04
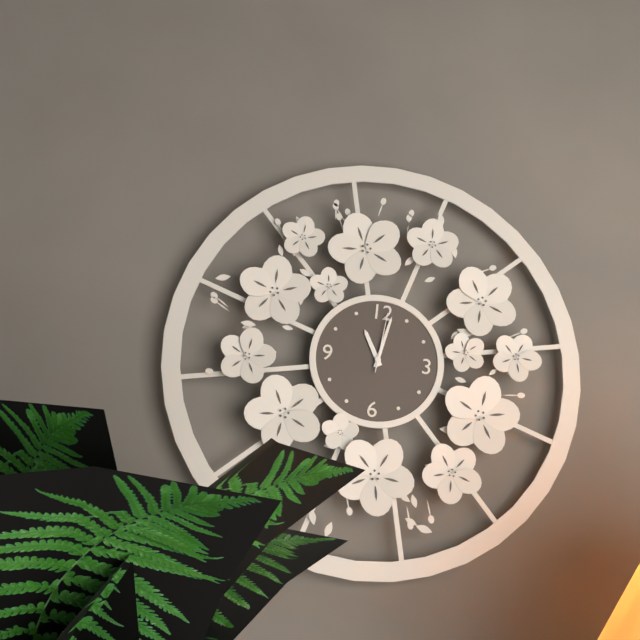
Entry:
11.02.01
